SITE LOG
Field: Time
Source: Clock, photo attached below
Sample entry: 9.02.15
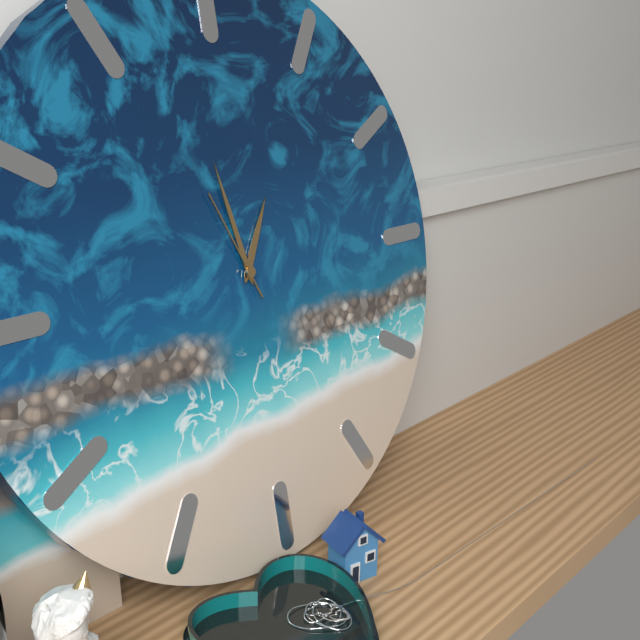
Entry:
12.58.56
